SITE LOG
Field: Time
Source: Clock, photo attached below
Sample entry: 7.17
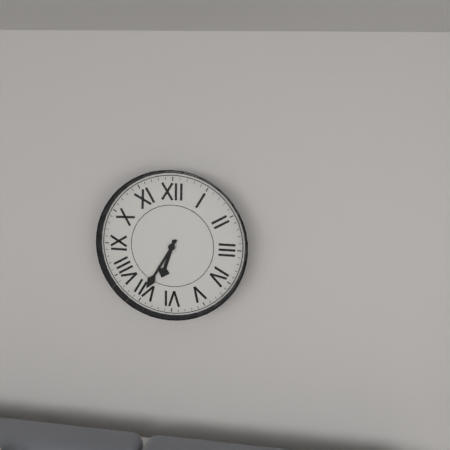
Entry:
6.35
